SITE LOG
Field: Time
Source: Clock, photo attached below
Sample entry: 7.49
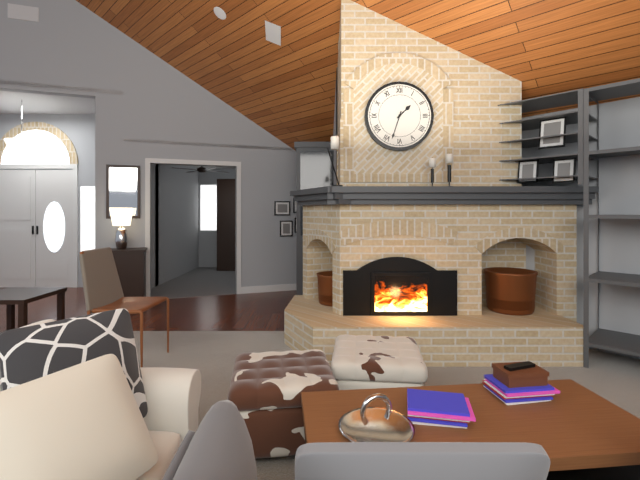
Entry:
1.33
